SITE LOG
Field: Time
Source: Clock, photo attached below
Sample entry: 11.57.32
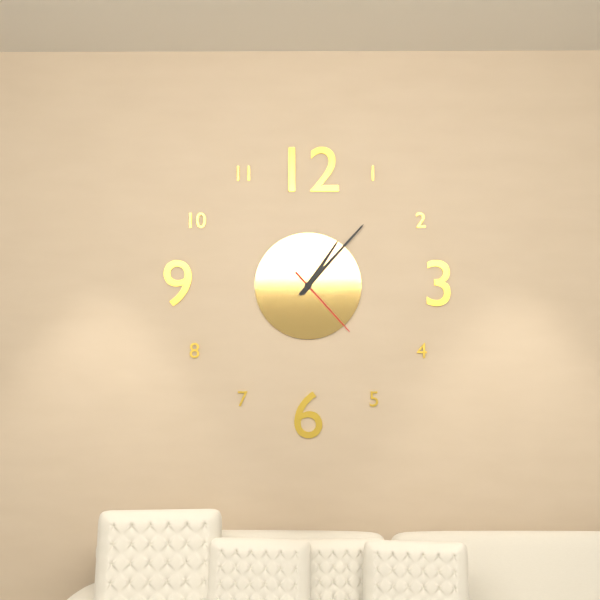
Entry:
1.07.23
